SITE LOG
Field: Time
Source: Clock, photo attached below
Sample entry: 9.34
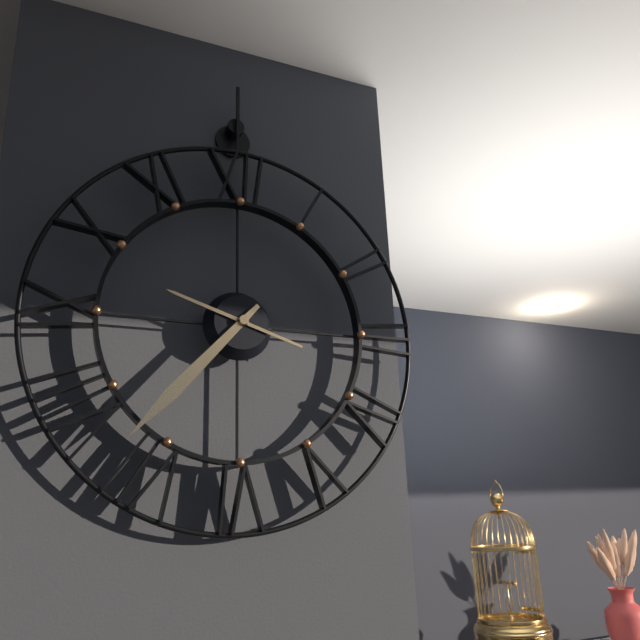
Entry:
9.37
